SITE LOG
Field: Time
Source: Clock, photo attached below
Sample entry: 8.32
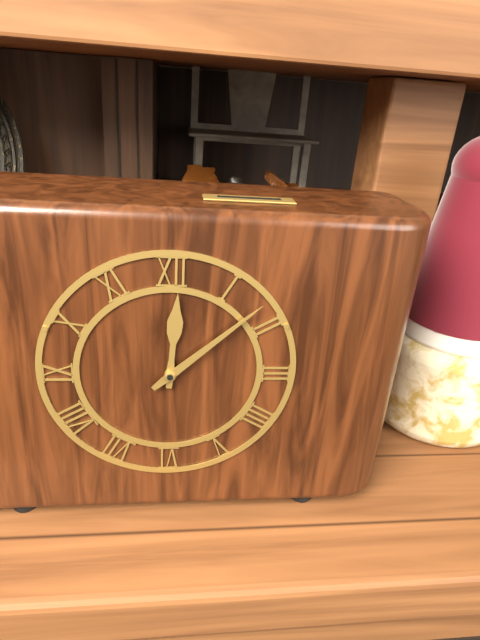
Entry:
12.08
